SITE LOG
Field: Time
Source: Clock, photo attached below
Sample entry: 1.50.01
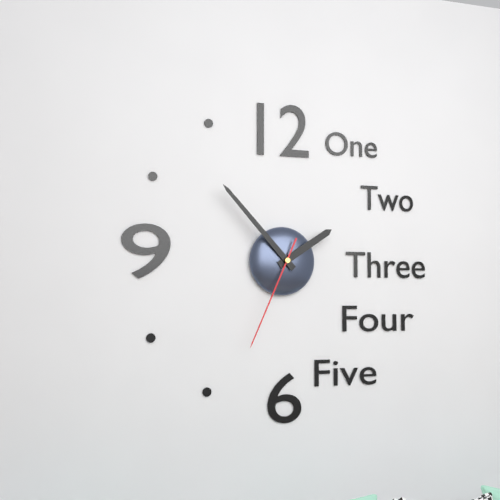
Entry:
1.53.34
